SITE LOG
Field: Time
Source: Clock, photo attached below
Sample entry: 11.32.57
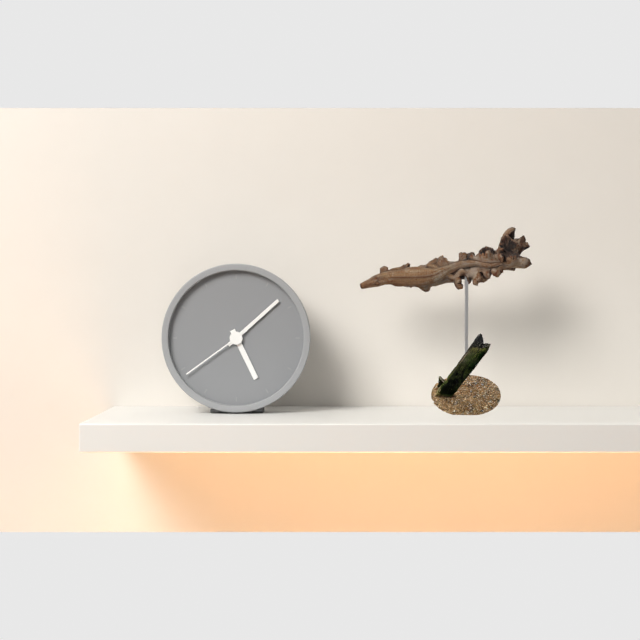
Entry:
5.08.39
